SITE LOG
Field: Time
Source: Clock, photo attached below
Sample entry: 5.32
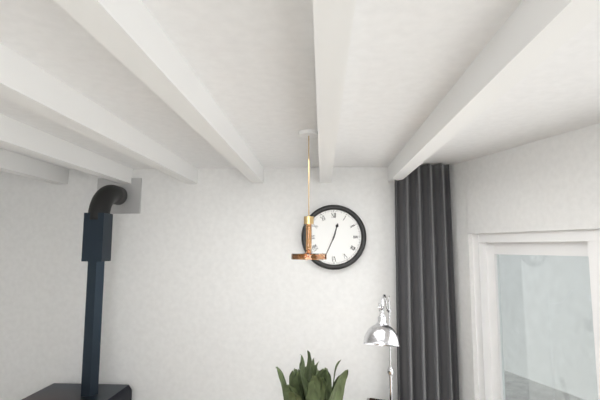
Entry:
12.34
